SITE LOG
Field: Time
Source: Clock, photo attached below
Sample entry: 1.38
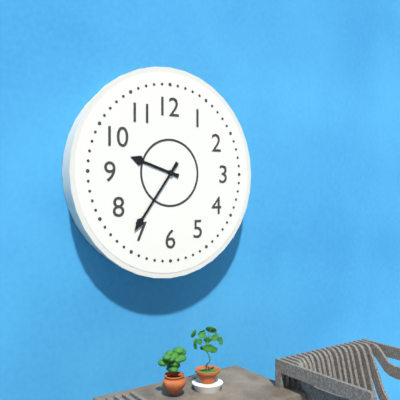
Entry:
9.36
